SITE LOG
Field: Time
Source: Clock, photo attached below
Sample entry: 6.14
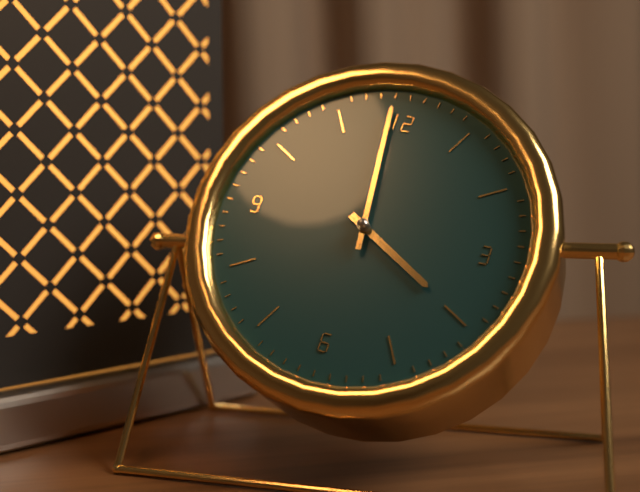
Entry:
3.59
